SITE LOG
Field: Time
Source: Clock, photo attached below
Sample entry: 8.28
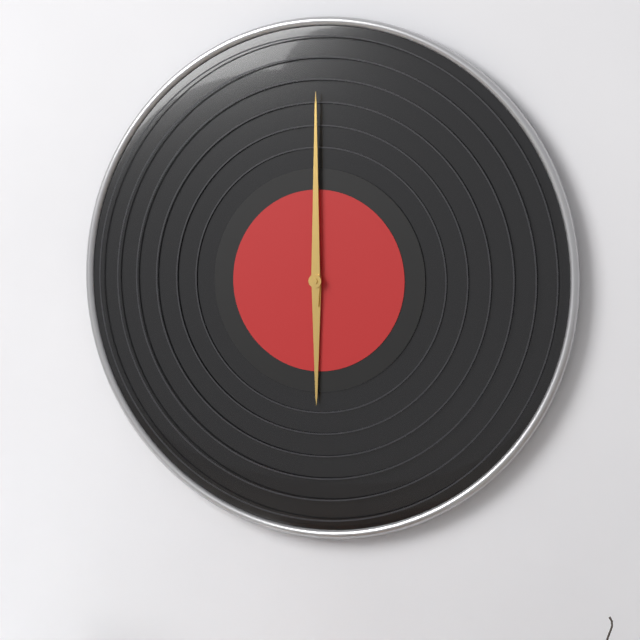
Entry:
6.00
